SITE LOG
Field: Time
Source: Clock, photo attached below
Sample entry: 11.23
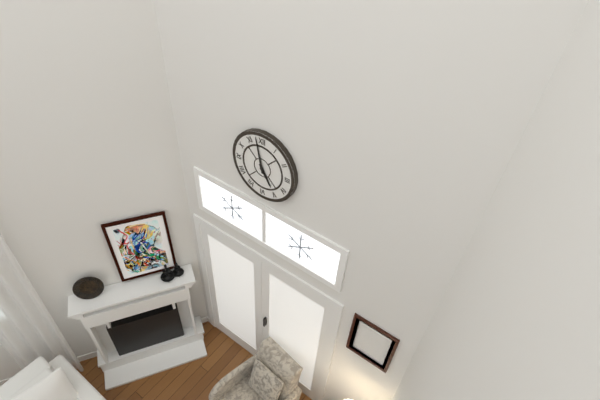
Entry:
4.58
